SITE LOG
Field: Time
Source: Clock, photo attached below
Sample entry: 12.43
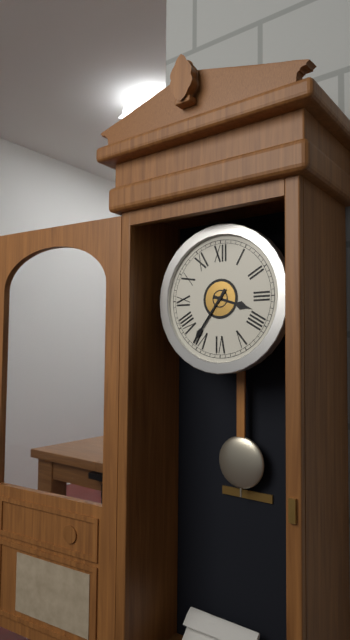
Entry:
3.36
